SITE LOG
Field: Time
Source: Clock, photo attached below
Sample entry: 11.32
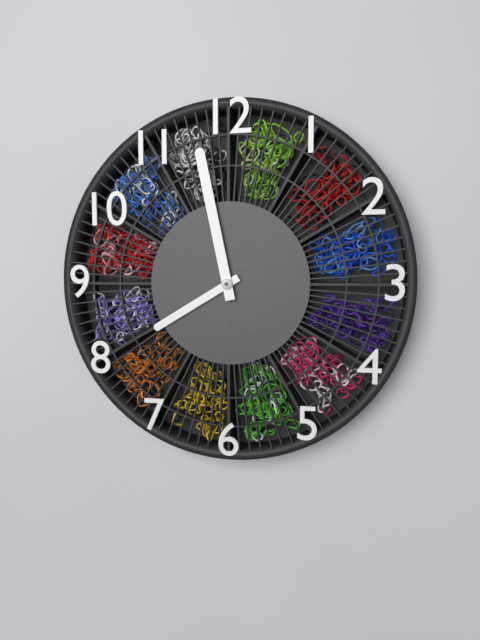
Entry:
7.58
